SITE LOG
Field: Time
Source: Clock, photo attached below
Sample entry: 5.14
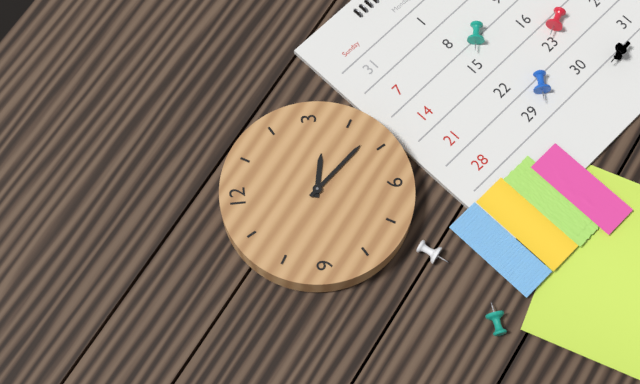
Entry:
3.23
